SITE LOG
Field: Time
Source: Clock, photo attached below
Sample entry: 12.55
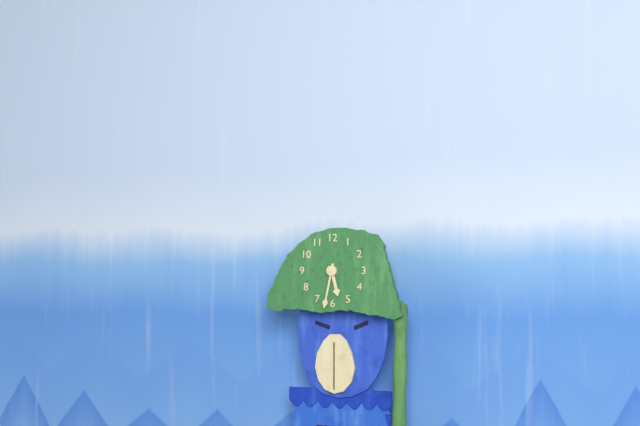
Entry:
5.32
